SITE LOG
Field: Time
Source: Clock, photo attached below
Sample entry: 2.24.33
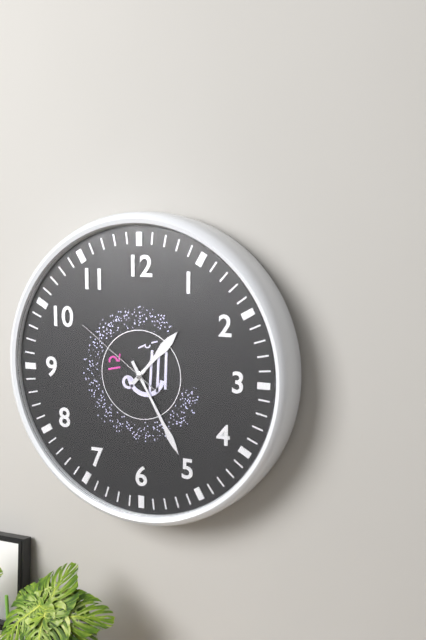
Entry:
1.25.51
